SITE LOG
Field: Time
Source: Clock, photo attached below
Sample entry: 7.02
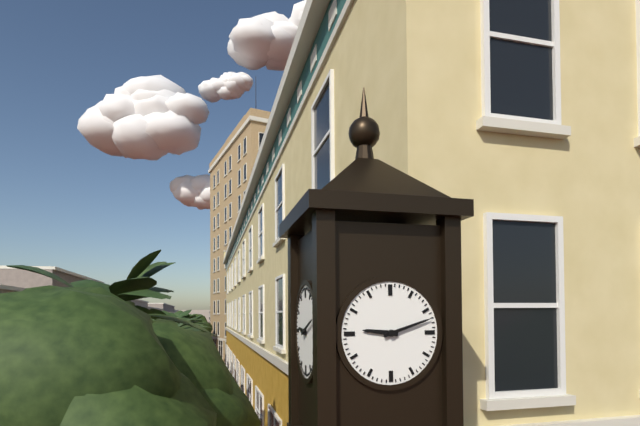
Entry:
9.12
